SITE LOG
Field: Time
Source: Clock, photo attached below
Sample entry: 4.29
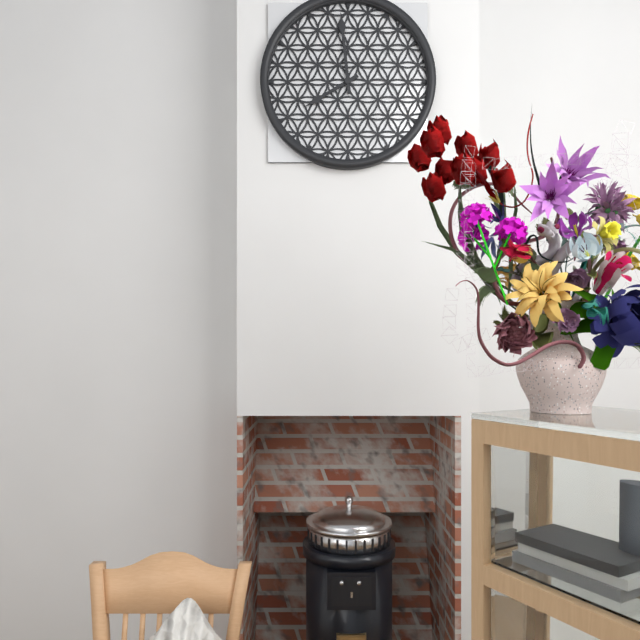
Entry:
7.59
